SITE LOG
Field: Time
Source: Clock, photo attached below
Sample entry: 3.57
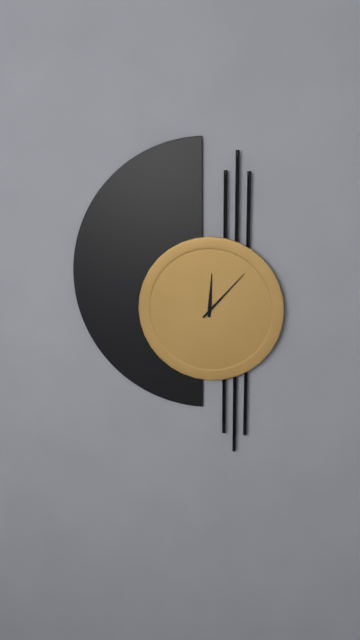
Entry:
12.07
